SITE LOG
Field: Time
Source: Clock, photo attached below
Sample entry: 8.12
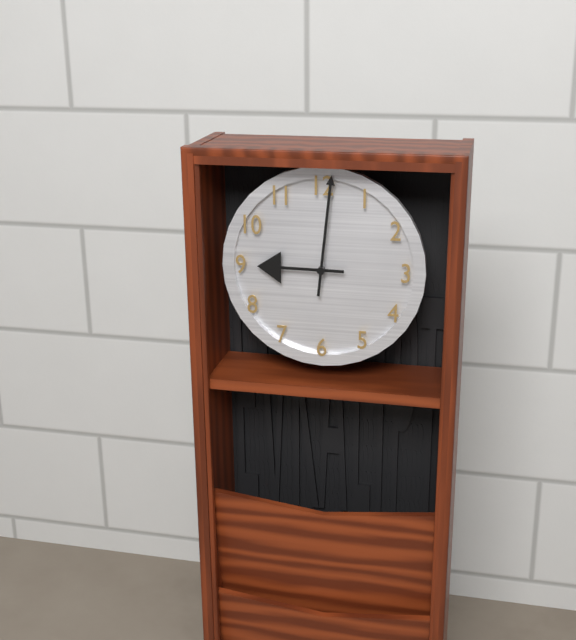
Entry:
9.01
